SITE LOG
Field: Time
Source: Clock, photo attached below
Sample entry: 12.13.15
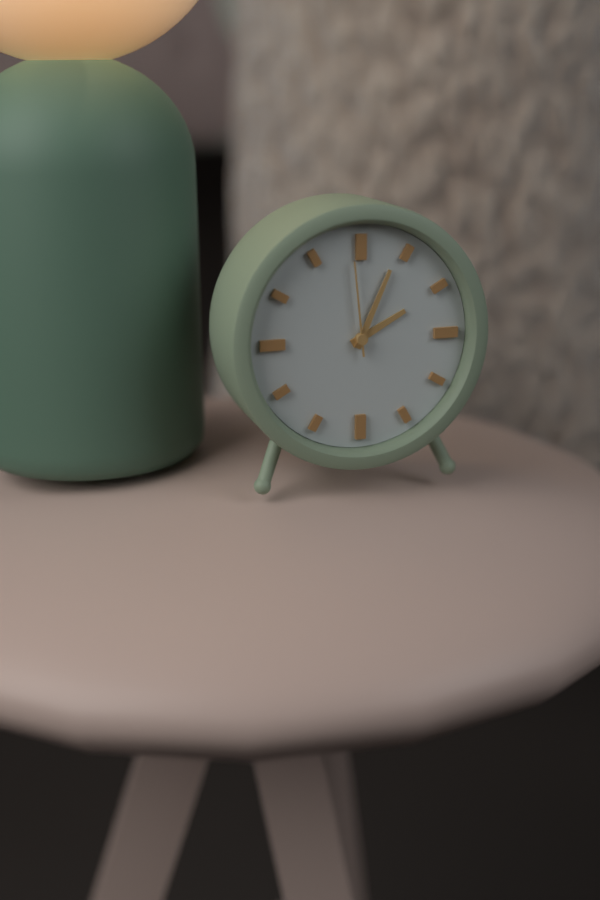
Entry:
2.04.59
